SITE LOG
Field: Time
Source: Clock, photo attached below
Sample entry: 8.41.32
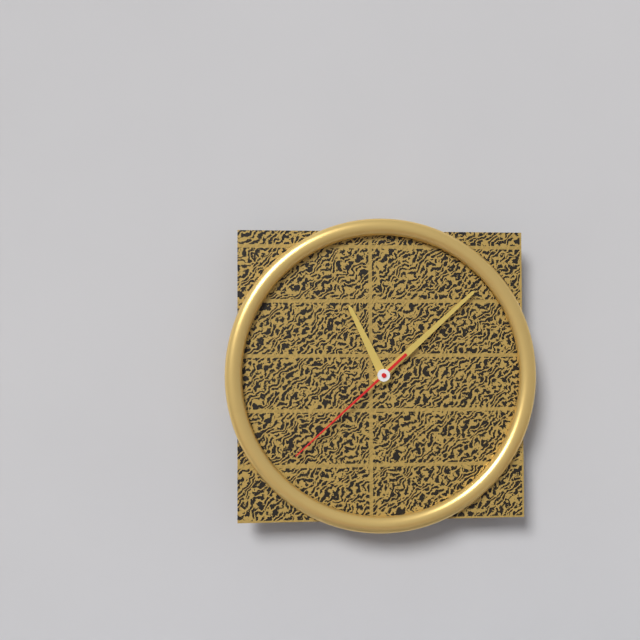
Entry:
11.08.38
